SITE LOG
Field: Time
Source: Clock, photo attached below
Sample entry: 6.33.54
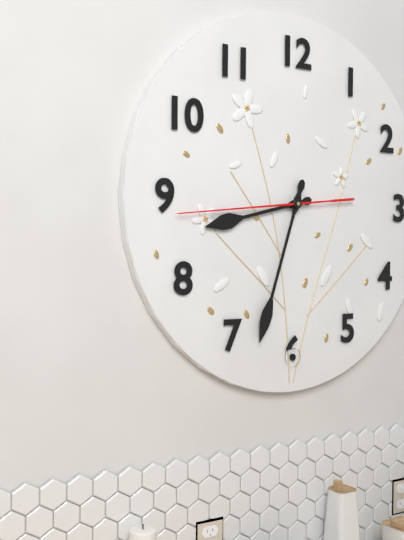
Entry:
8.33.44
